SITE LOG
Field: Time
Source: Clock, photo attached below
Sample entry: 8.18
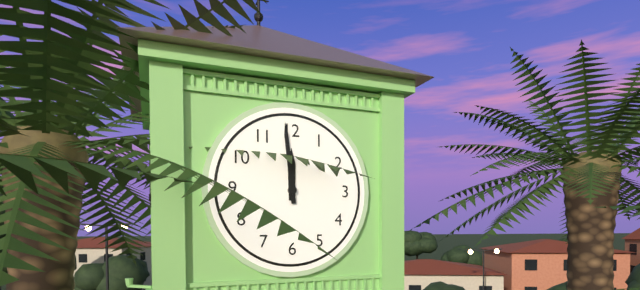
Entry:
11.59
